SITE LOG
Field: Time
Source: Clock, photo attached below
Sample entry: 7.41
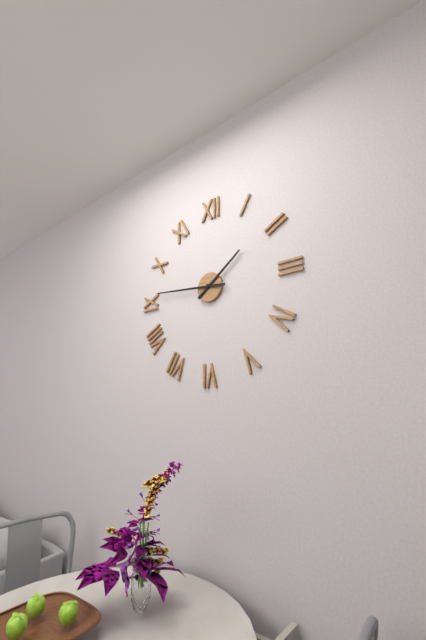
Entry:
1.46
